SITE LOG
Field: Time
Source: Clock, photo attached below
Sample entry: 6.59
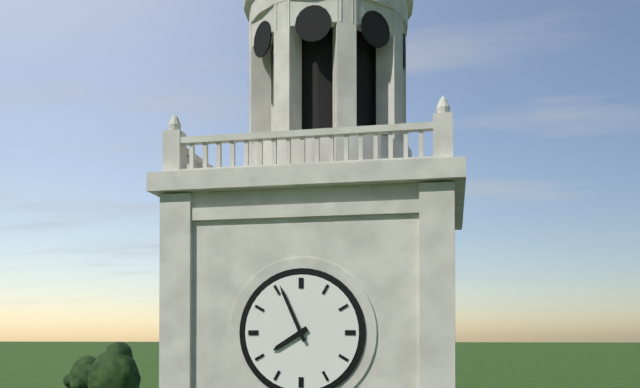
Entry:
7.56
